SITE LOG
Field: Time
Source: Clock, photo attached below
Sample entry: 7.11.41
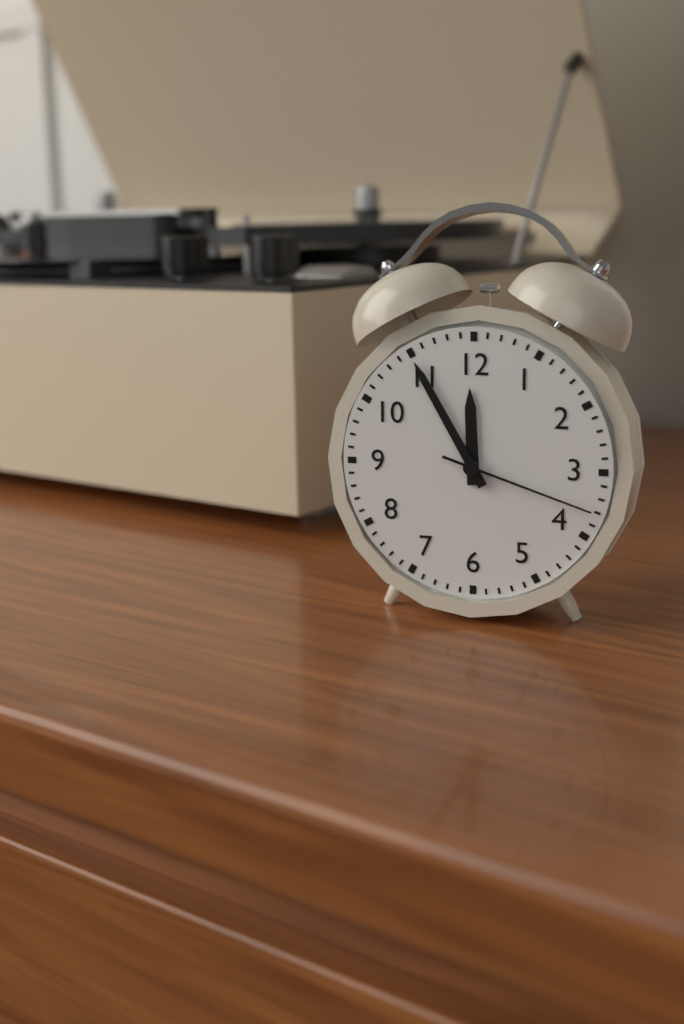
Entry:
11.55.18
